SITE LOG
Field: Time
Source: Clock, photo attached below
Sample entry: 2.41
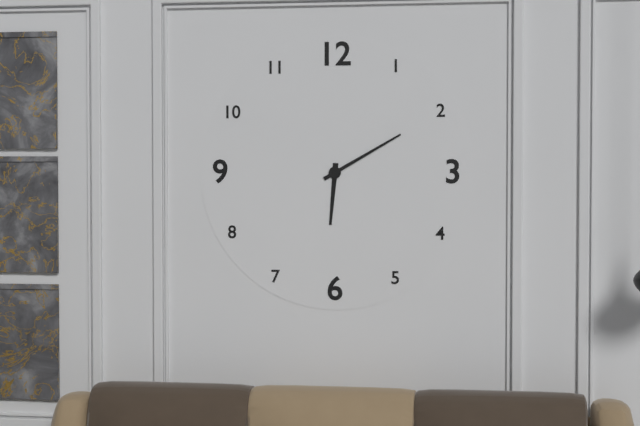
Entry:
6.10
